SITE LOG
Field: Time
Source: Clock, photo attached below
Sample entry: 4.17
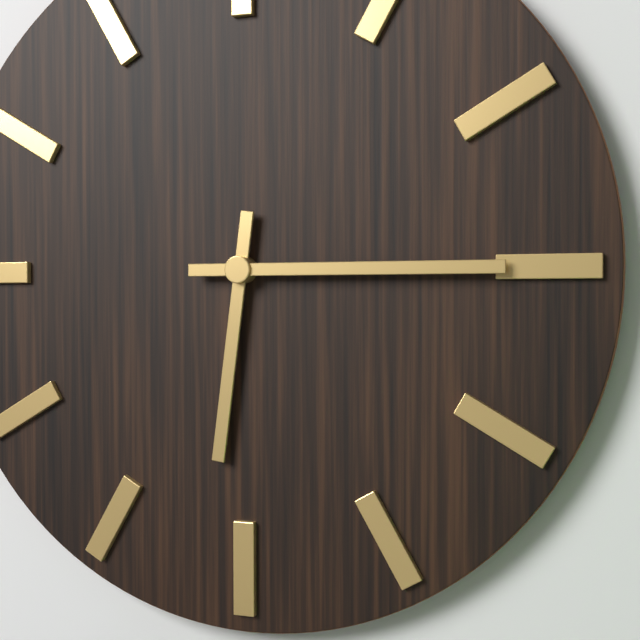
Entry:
6.15
